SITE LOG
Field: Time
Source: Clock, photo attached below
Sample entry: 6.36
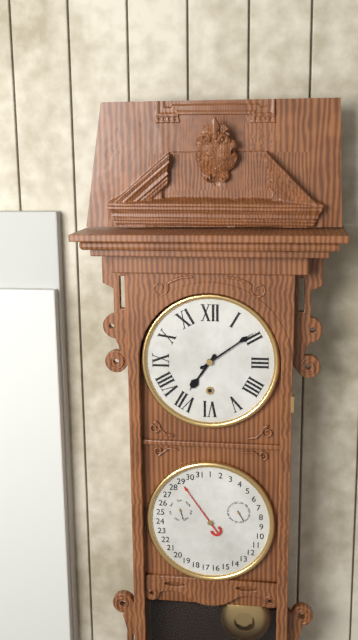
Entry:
7.09
